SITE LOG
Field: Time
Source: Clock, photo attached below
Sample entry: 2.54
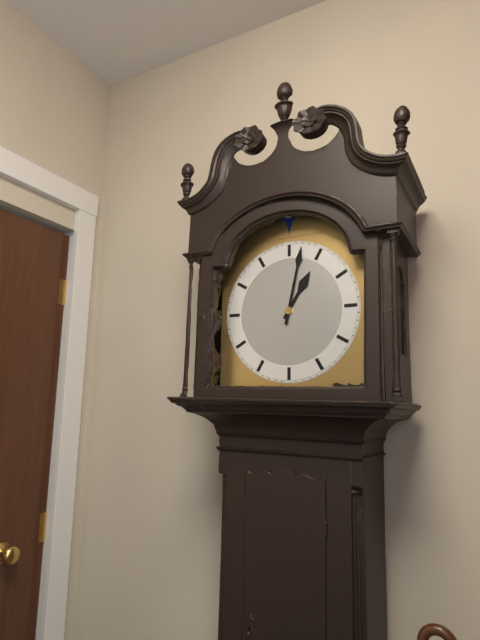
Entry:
1.02
